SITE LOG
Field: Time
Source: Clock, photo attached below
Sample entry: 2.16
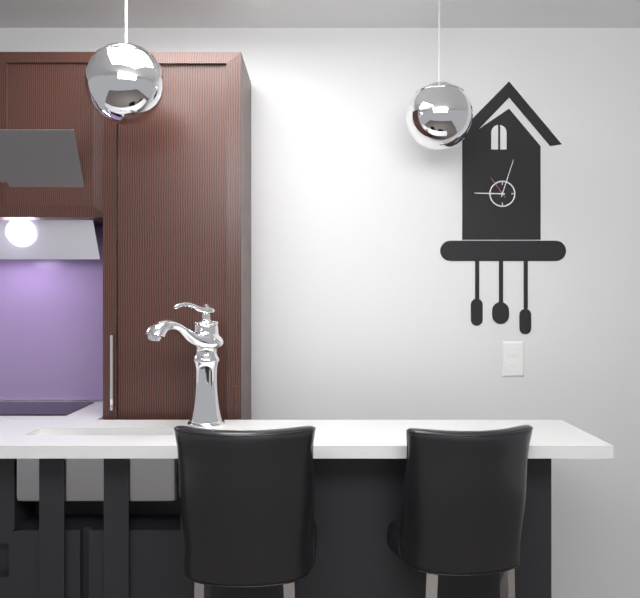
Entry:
9.03
